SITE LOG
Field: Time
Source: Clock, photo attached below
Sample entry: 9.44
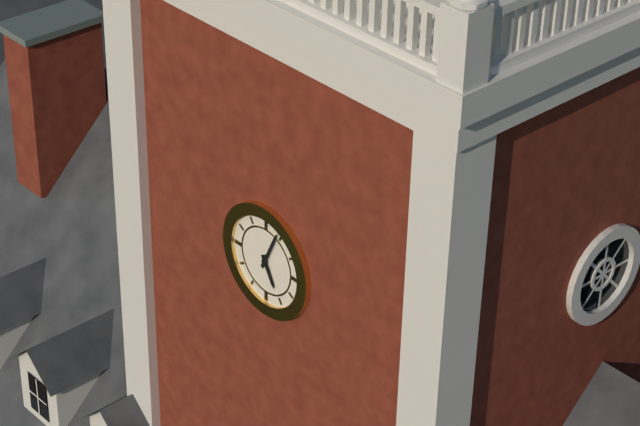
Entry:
5.04
